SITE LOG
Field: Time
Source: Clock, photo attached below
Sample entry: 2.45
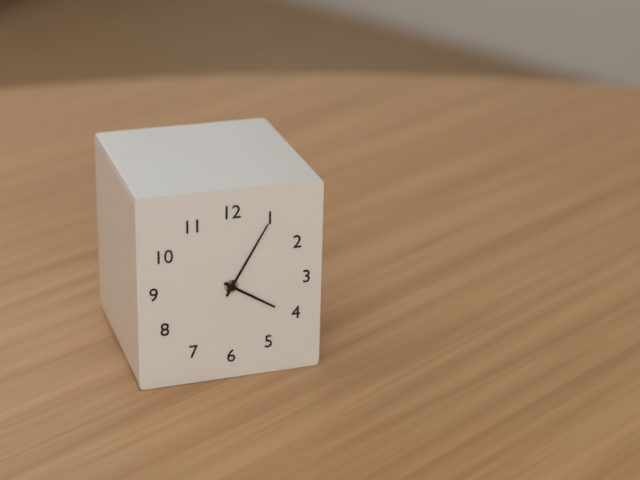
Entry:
4.05
